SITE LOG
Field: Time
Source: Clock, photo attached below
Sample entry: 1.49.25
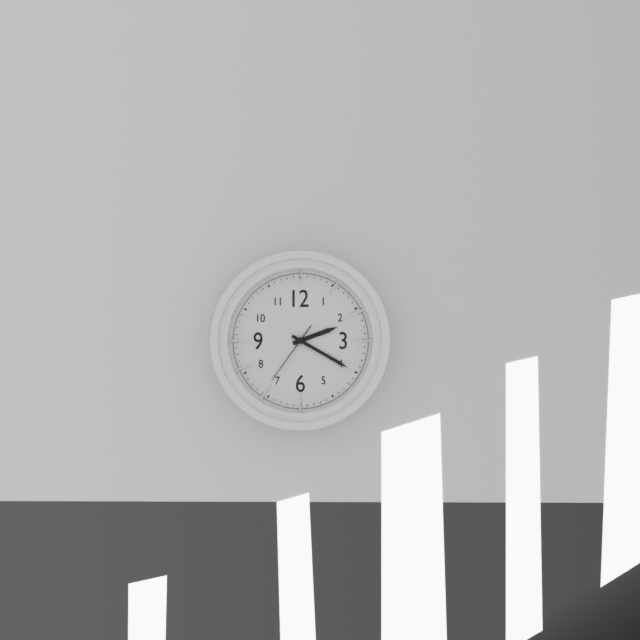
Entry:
2.20.36
